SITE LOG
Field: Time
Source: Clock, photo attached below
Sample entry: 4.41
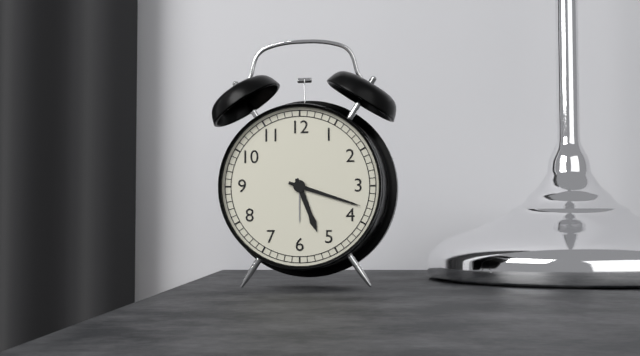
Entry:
5.18
